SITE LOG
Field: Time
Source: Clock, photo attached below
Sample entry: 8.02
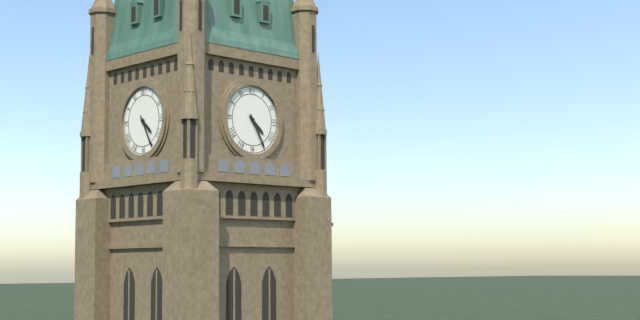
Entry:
4.25
